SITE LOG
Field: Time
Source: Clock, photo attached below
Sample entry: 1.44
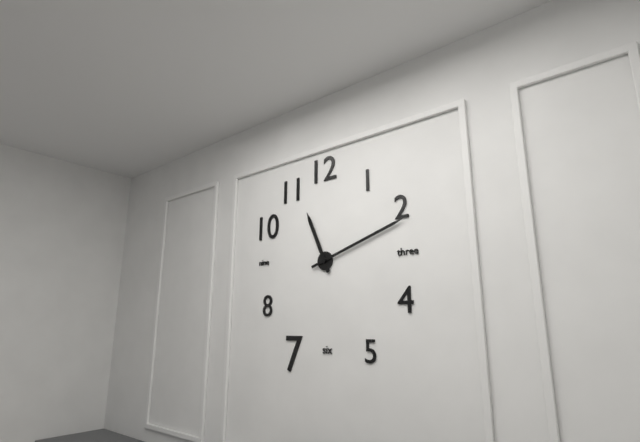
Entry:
11.12
